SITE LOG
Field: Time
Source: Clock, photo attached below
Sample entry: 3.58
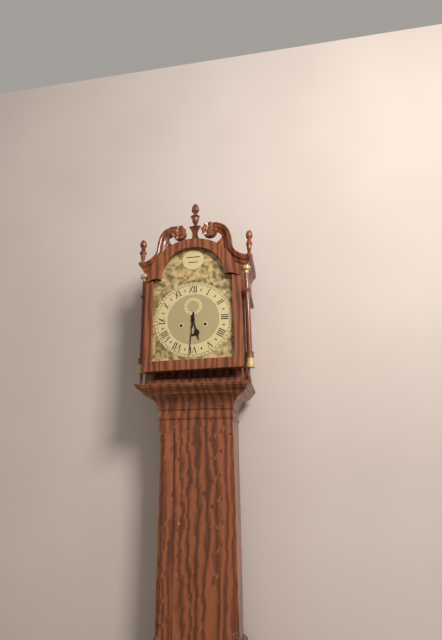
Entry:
5.31
